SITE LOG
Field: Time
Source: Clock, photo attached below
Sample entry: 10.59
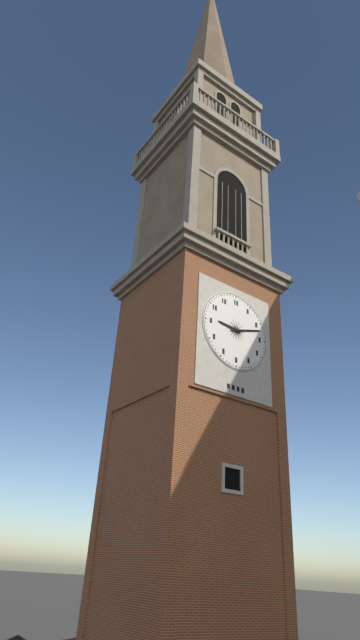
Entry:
9.12
